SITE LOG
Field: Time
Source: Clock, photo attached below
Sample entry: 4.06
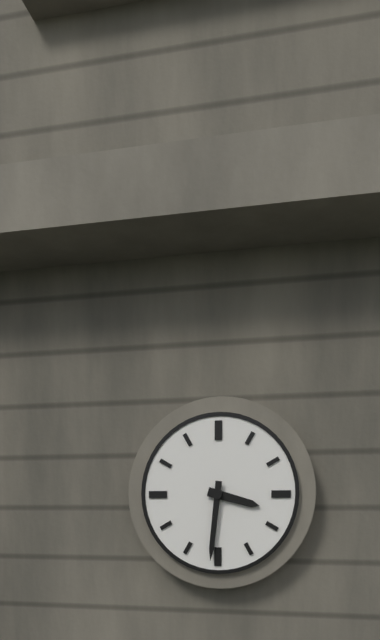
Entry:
3.31
